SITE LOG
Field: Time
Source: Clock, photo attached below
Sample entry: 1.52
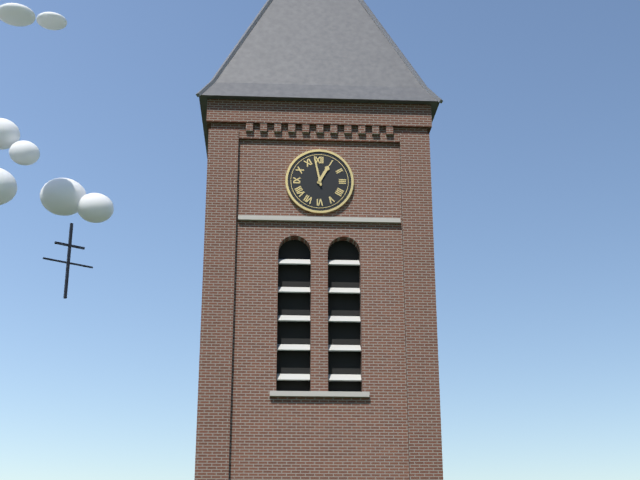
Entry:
12.58
